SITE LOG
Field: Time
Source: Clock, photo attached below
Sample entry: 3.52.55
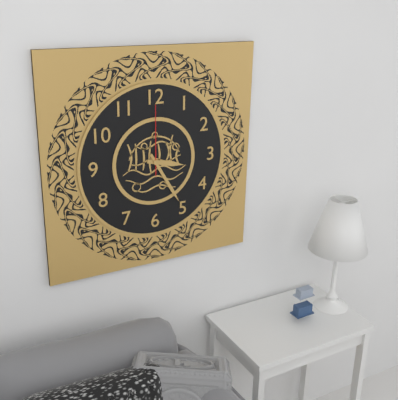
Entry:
3.25.00
